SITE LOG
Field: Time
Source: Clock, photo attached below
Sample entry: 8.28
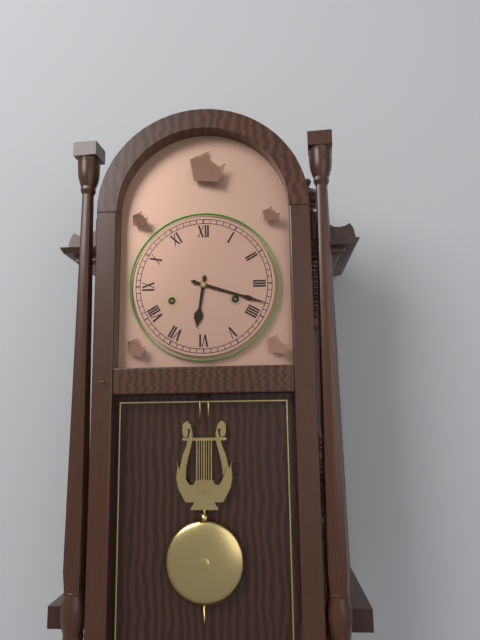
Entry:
6.18
